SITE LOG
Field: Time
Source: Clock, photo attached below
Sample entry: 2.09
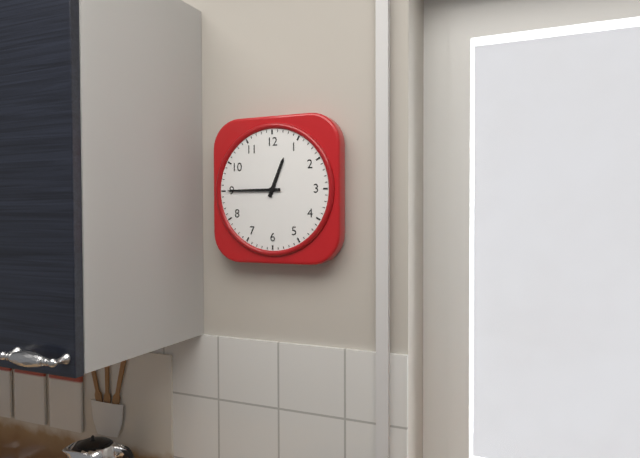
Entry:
12.45
